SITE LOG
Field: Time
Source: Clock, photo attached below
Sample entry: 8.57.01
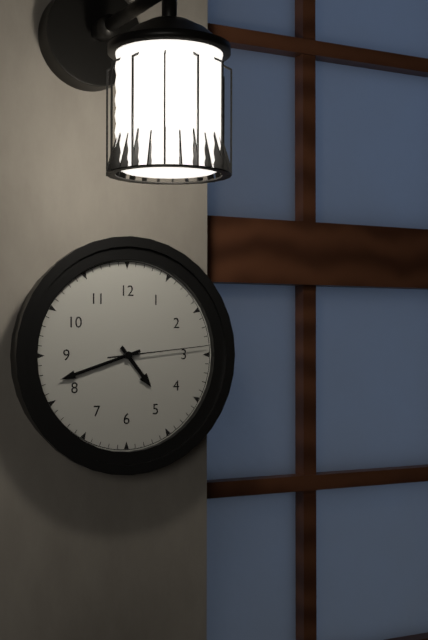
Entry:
4.42.14
